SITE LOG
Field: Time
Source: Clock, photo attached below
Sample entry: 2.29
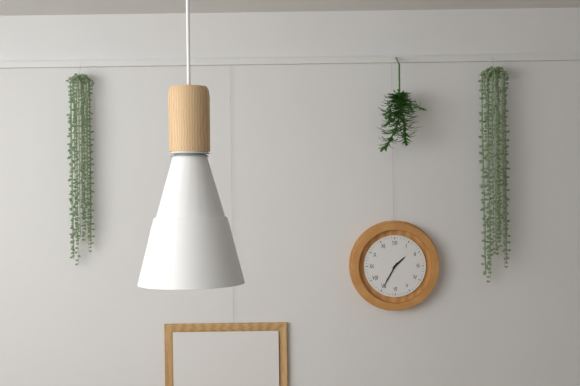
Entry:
1.35
